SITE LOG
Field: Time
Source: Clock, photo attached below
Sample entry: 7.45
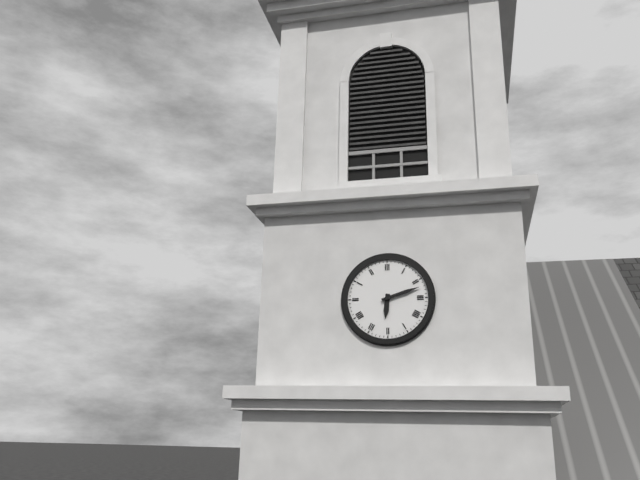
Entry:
6.12
